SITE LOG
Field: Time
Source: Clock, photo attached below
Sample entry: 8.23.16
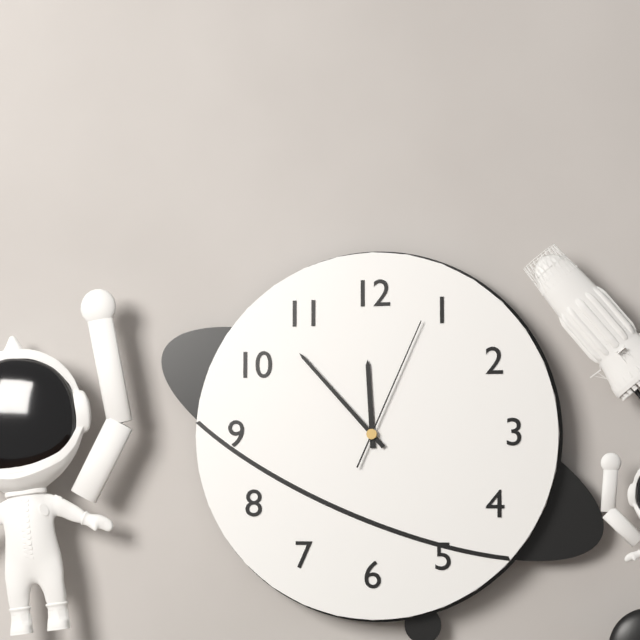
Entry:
11.53.04
